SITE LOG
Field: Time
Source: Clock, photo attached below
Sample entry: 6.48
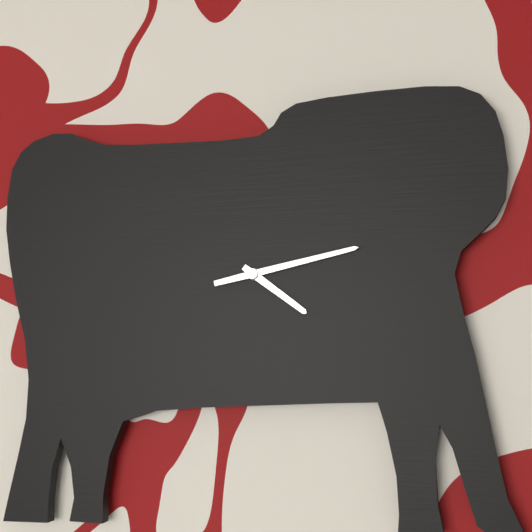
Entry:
4.13
